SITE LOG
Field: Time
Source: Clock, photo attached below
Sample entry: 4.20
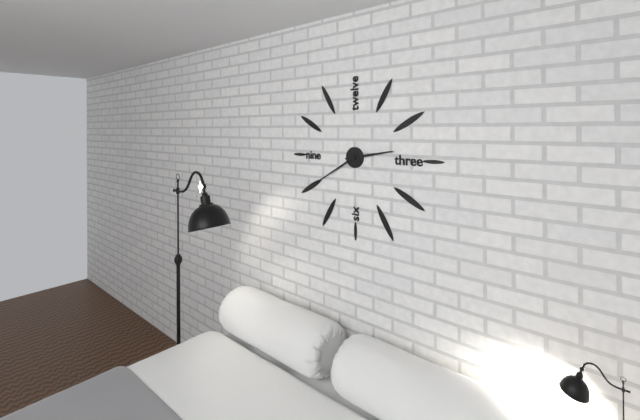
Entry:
2.40
